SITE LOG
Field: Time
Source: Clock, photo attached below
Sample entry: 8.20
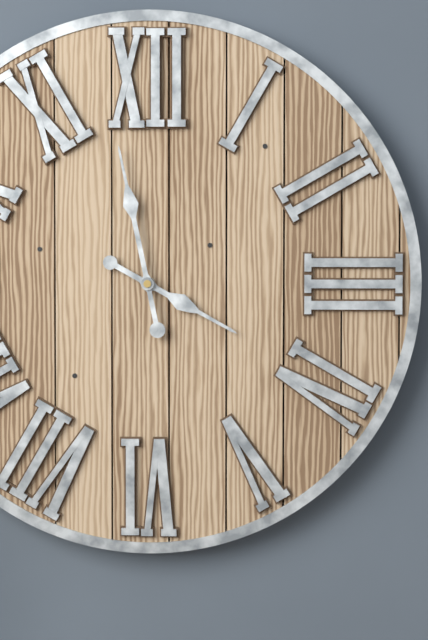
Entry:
3.58
